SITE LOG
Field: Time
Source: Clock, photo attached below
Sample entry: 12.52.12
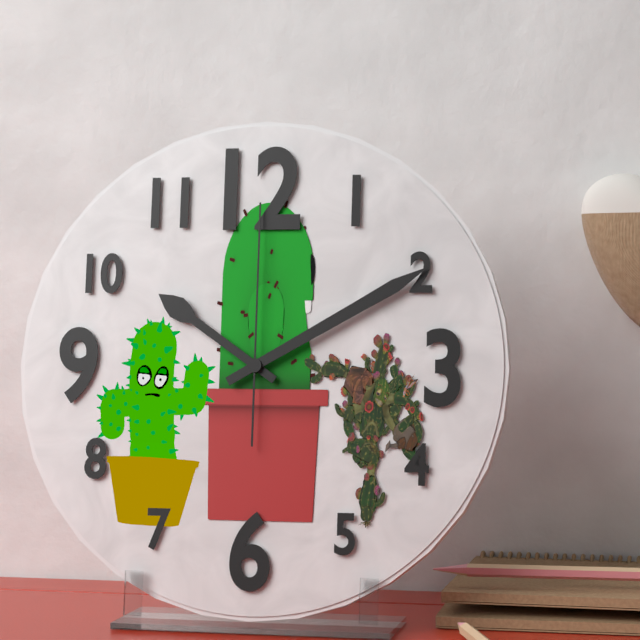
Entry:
10.10.00
